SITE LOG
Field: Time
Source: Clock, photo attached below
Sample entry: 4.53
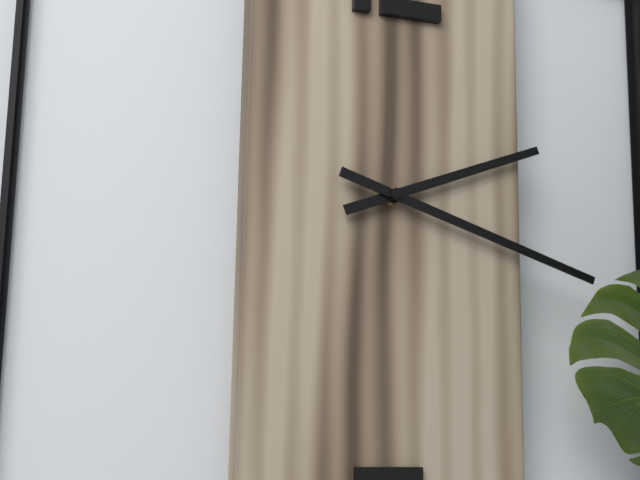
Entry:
2.18
